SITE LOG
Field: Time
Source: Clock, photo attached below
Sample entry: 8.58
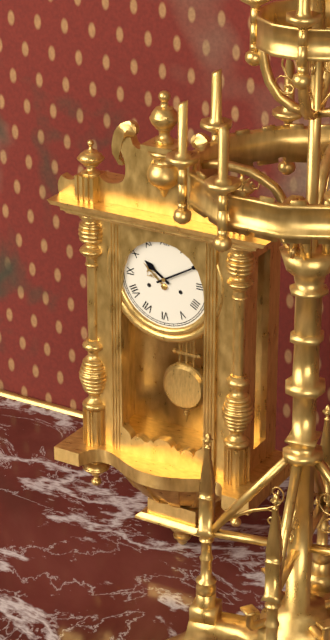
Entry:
10.10
